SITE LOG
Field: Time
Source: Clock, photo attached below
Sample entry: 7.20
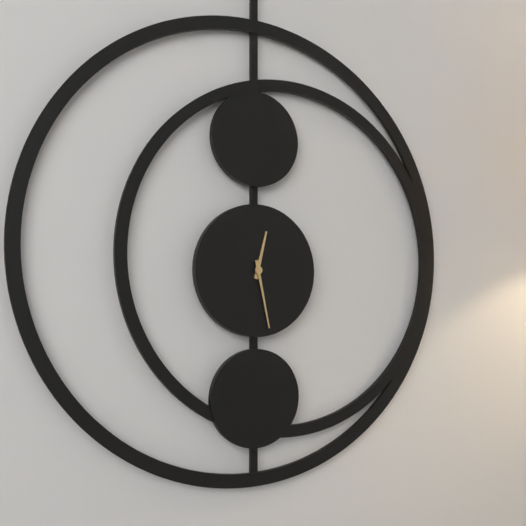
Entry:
12.28
